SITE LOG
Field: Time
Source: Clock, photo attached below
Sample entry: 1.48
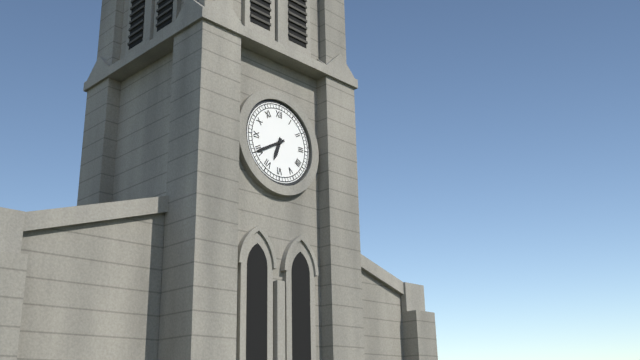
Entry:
6.40
